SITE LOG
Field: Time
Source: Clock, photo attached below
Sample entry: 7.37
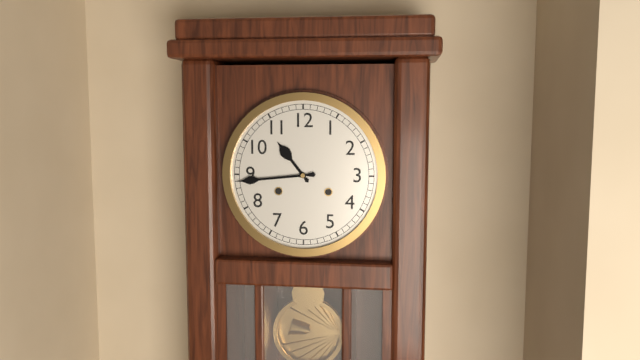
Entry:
10.44
